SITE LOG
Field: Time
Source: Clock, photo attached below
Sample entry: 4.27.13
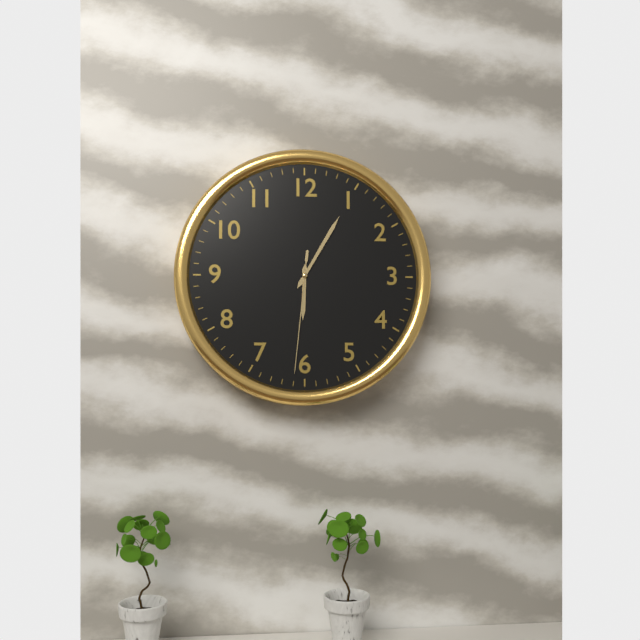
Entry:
6.05.31
